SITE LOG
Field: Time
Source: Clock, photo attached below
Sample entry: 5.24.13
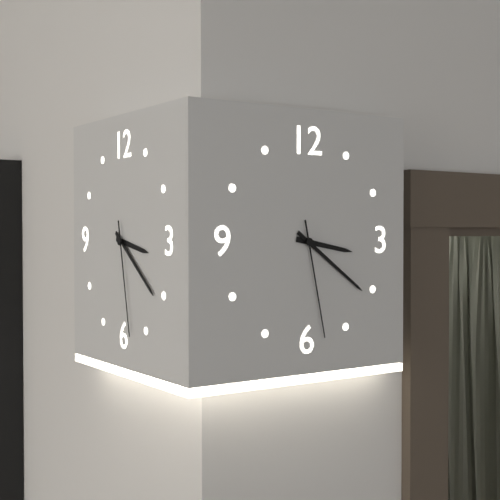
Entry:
3.21.28
